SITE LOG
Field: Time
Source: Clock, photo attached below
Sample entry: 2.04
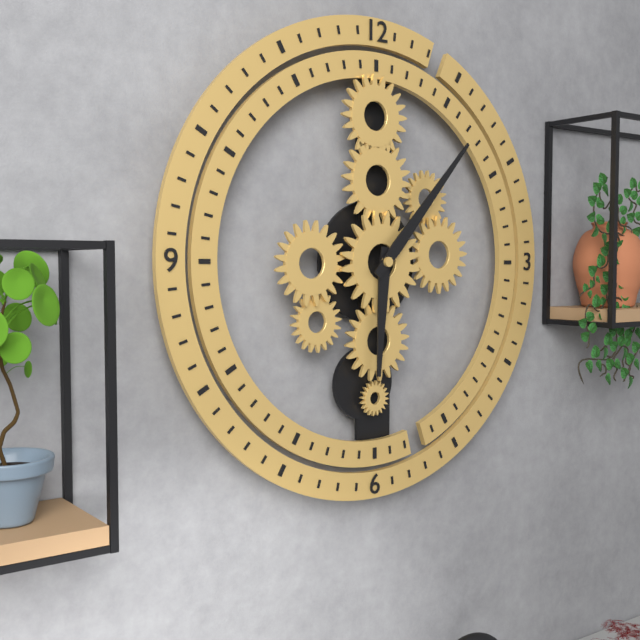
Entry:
6.07
